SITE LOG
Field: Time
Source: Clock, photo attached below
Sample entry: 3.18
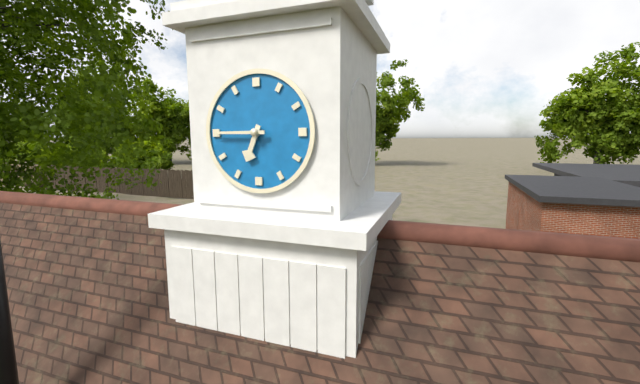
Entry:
6.45
